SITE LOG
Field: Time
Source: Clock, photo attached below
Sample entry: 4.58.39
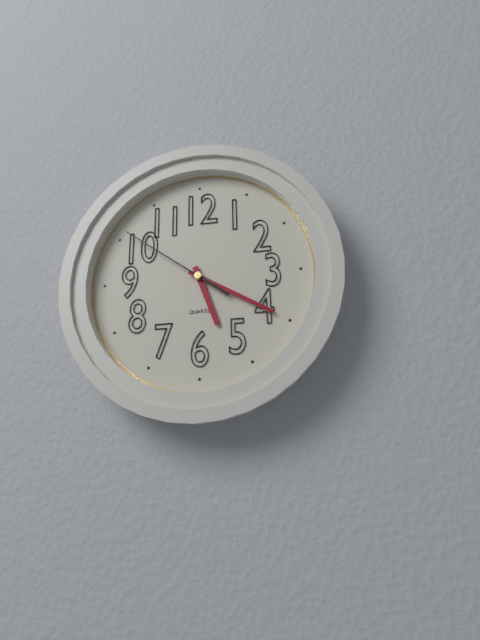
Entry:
5.20.51
